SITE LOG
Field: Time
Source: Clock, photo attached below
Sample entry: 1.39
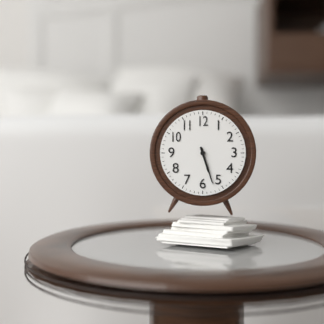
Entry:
5.27
